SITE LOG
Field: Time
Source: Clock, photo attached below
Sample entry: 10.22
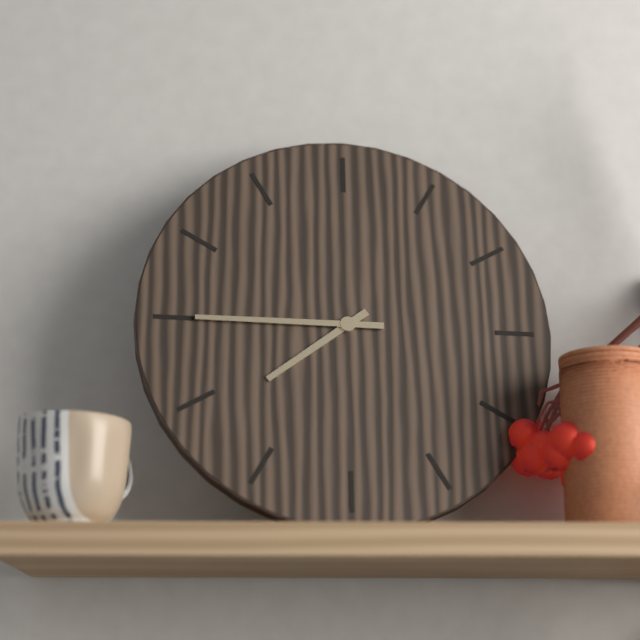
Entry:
7.45
